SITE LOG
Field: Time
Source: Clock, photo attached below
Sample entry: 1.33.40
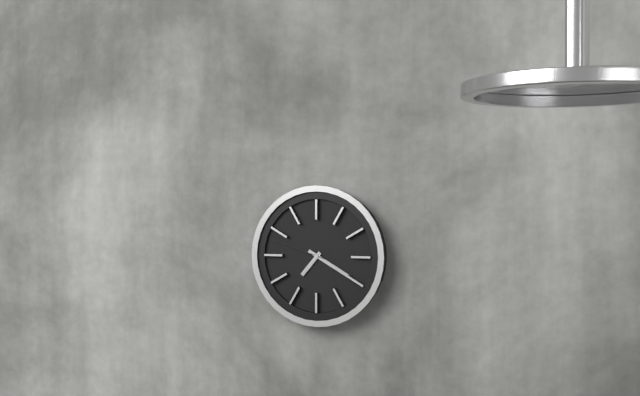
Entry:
7.20.48
